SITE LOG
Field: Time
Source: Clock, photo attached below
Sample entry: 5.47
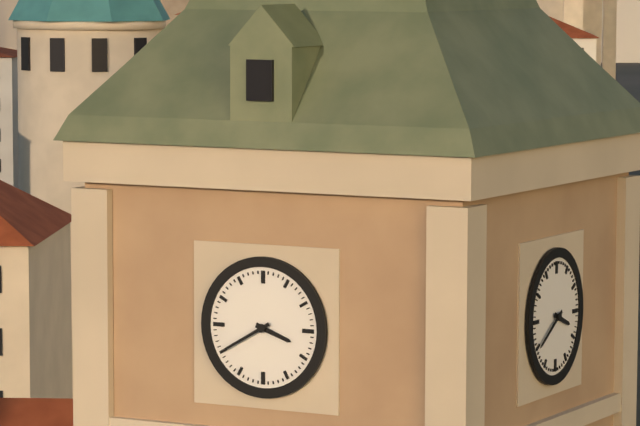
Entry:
3.40
